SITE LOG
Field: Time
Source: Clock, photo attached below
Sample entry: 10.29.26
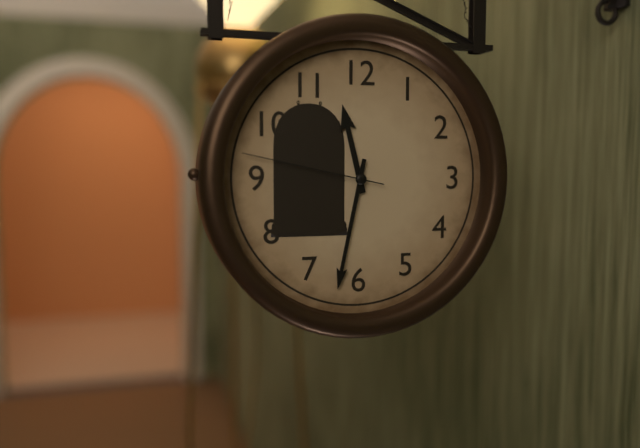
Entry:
11.32.47
